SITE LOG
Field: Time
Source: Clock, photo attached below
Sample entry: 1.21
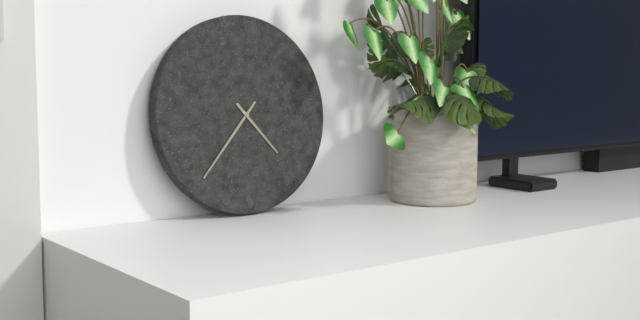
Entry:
4.37
